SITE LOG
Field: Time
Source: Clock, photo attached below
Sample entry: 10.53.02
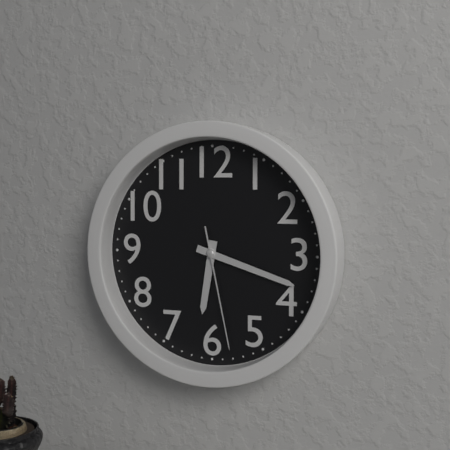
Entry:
6.18.28
